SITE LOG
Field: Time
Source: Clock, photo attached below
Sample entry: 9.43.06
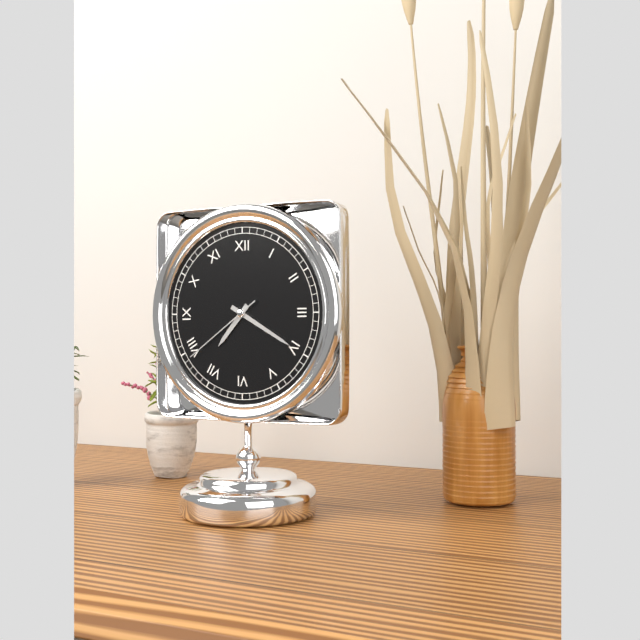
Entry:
7.20.39
